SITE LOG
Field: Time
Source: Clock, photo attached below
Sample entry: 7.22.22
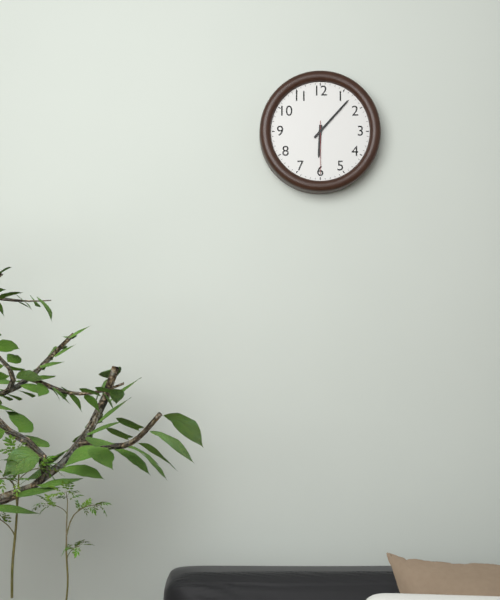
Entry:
6.07.30
